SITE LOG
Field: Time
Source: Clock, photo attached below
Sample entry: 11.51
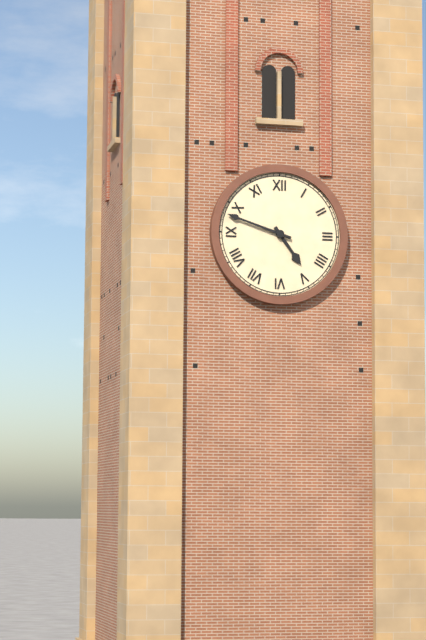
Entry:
4.48
